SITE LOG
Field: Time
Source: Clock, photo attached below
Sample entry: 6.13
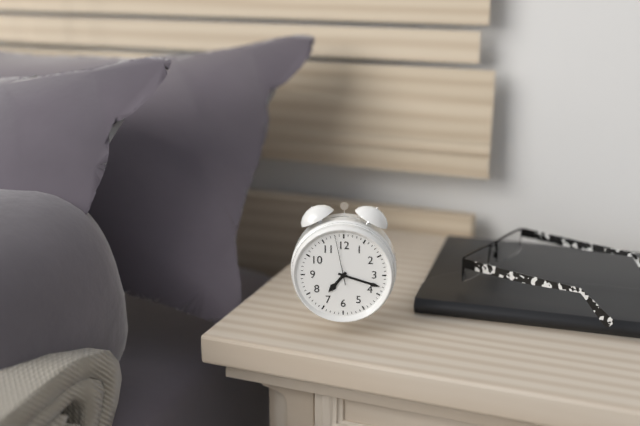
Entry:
7.18
